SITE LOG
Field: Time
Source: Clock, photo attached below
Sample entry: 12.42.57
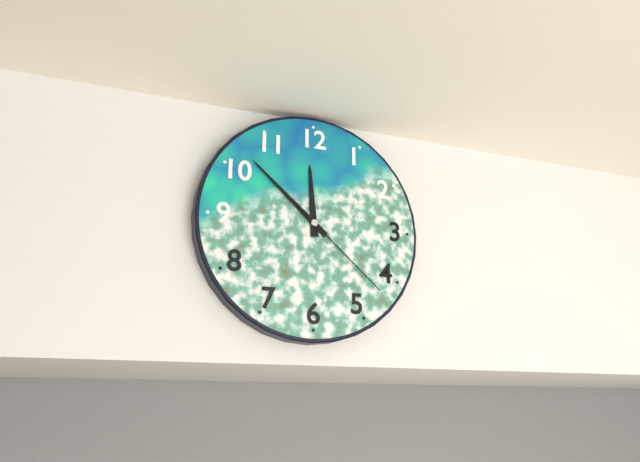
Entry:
11.52.22
